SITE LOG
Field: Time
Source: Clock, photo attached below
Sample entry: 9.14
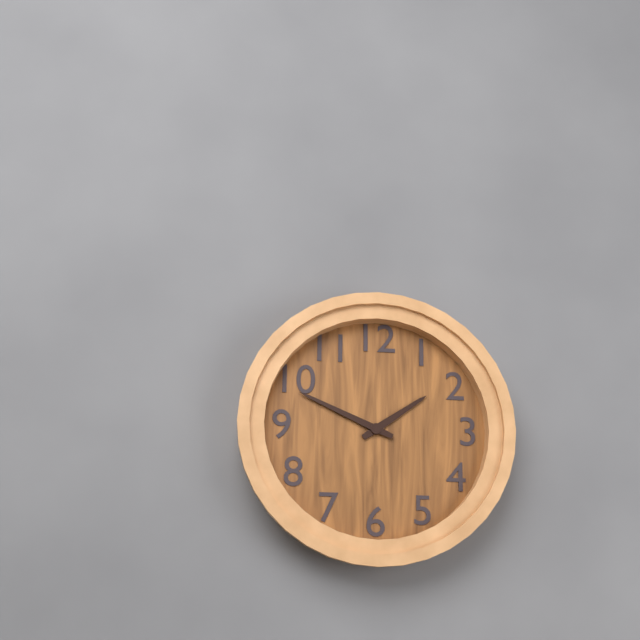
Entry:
1.49
